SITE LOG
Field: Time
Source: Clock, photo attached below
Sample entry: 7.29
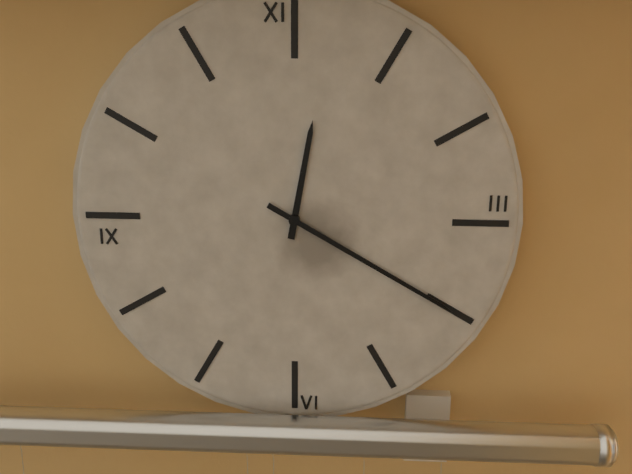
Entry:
12.20
